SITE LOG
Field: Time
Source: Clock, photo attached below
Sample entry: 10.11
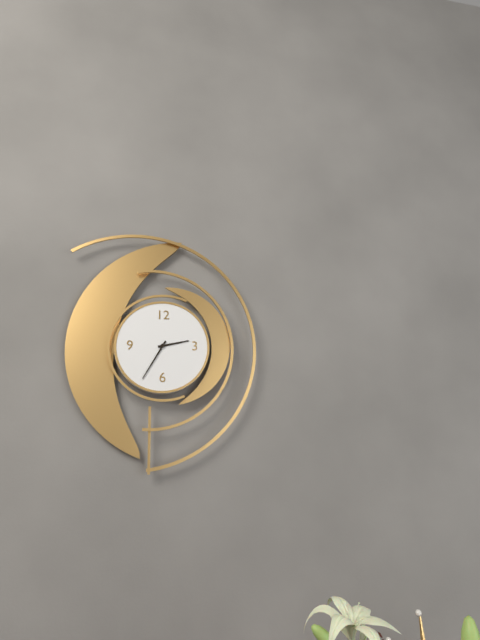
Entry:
2.35
